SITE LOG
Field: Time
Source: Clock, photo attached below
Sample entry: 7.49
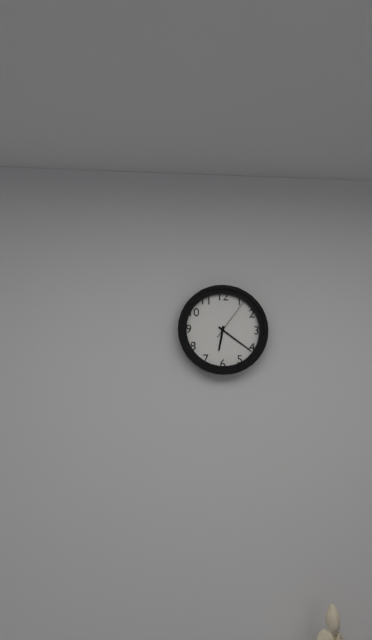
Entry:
6.21
